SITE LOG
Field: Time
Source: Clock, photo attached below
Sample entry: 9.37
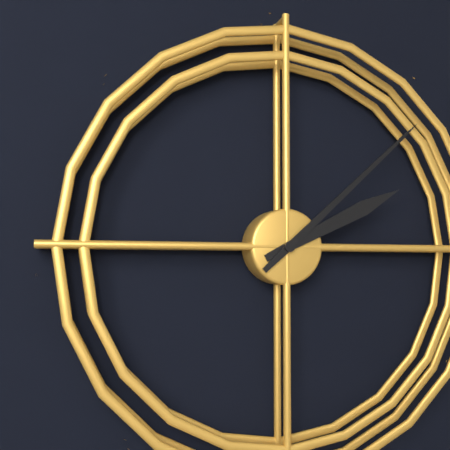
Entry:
2.08
